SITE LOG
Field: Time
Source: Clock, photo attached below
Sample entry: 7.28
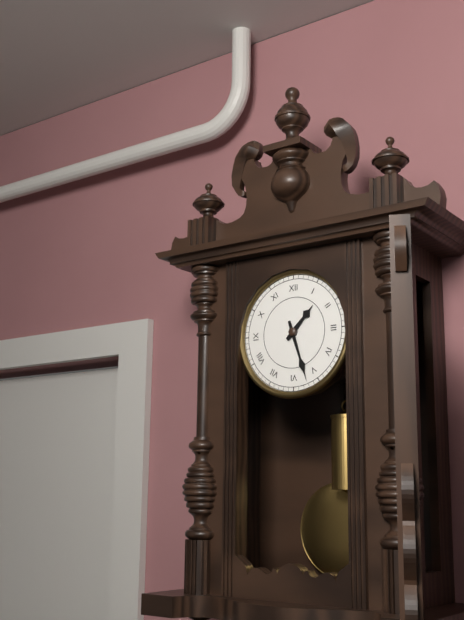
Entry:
1.27
